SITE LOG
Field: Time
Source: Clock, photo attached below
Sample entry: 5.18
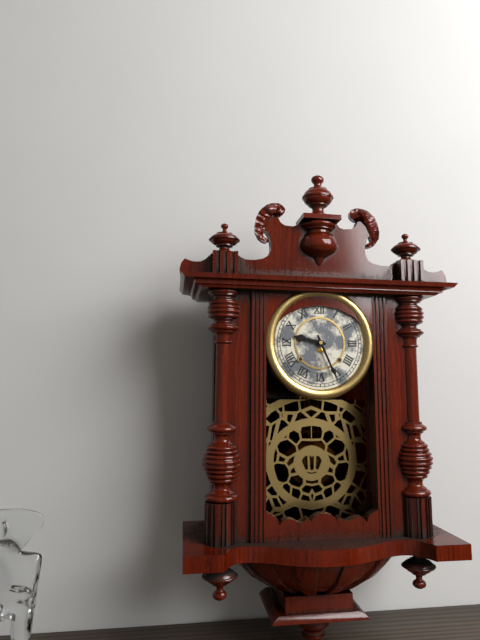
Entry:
9.26
